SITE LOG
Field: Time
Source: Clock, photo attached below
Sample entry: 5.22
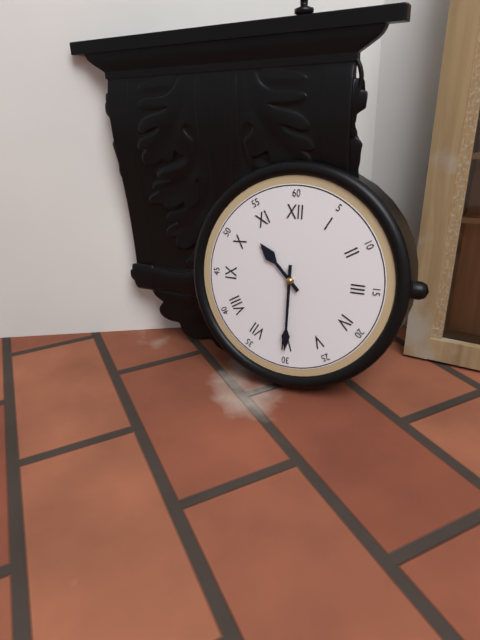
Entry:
10.30
